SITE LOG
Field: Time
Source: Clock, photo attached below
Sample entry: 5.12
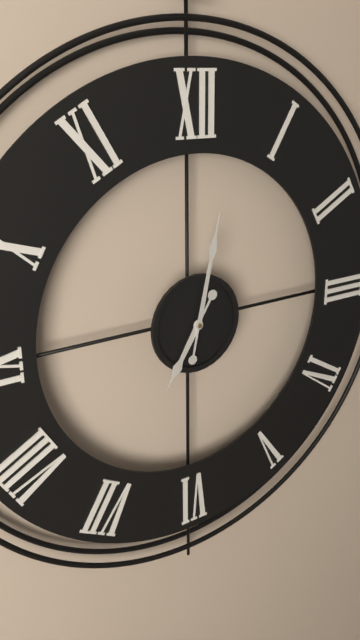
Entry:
7.02
